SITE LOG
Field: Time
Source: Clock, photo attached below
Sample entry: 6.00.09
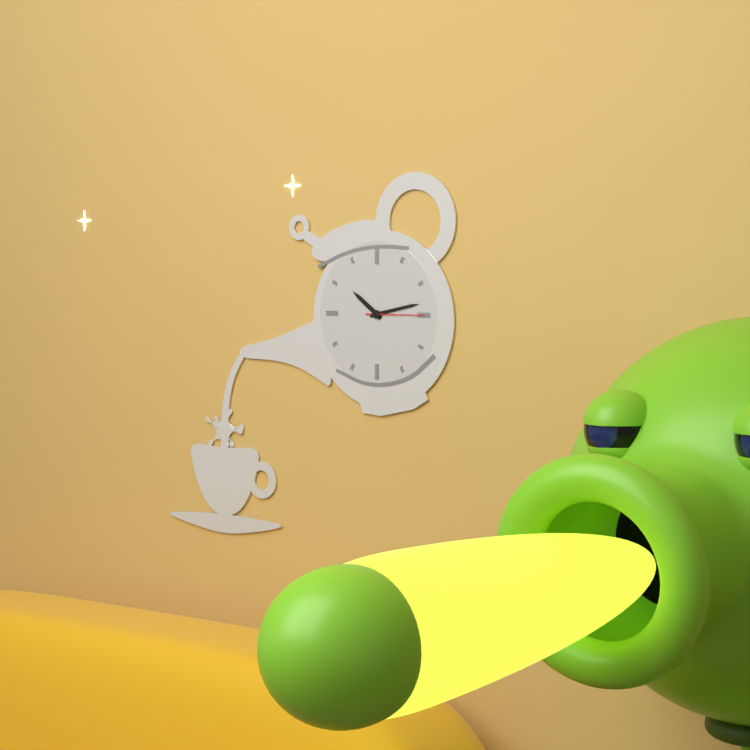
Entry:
10.13.15
